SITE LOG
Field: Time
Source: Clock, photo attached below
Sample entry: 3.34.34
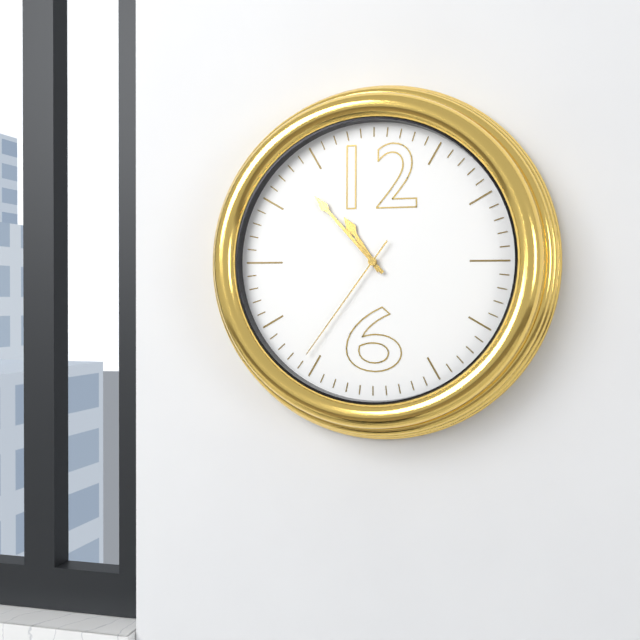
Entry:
10.53.36
